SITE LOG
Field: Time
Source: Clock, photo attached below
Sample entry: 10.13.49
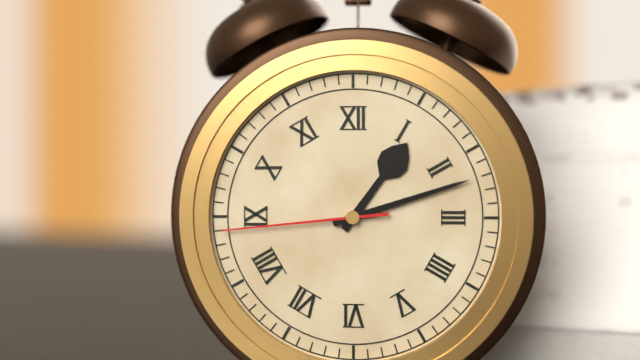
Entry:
1.12.44
